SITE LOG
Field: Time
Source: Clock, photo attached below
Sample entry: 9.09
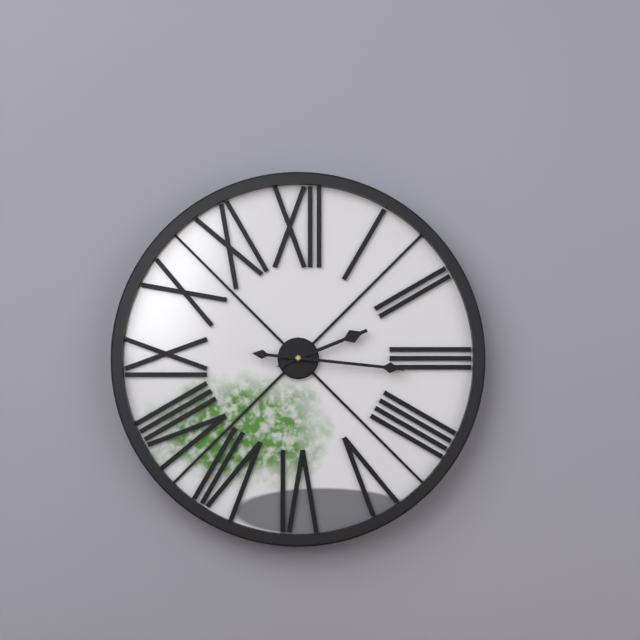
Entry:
2.16
